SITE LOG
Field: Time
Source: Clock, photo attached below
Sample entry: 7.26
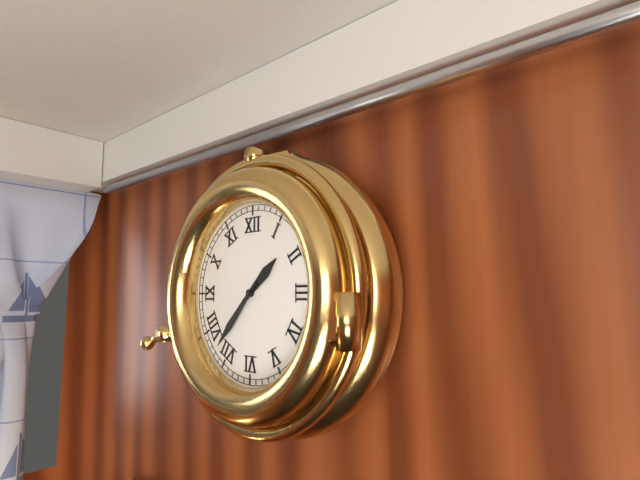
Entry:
1.37
